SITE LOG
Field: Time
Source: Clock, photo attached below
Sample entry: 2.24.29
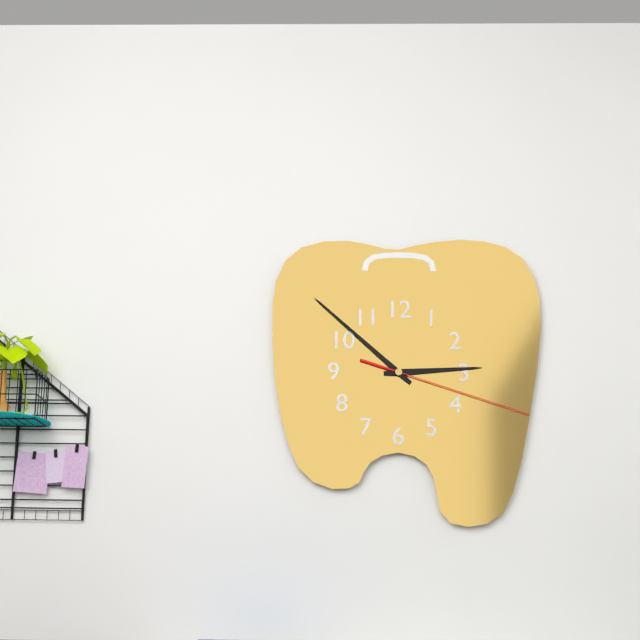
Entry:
2.52.18
